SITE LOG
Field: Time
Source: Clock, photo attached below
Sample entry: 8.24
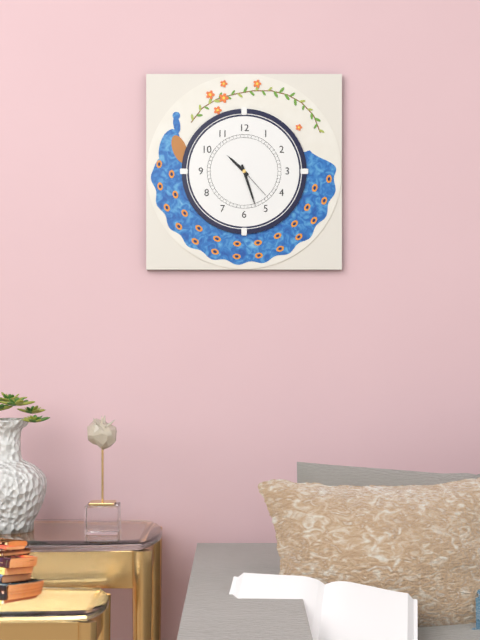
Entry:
10.27
